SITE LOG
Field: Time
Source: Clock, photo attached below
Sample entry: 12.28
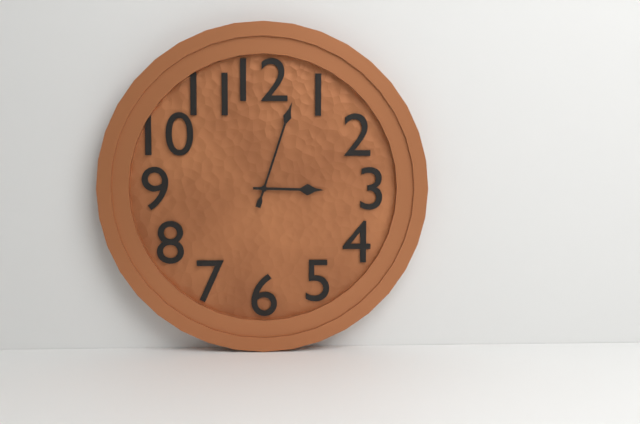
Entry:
3.03
